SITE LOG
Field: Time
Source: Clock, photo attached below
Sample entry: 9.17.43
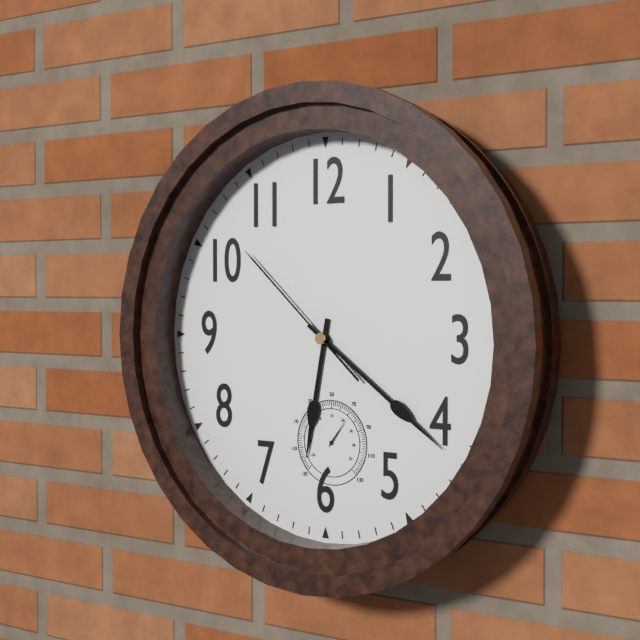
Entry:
6.21.52
